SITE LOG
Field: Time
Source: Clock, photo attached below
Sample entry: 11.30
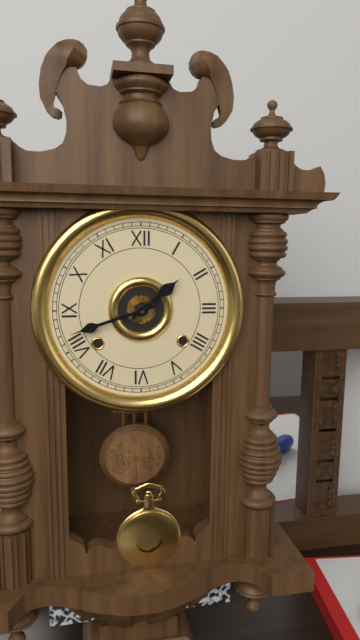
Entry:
1.42
